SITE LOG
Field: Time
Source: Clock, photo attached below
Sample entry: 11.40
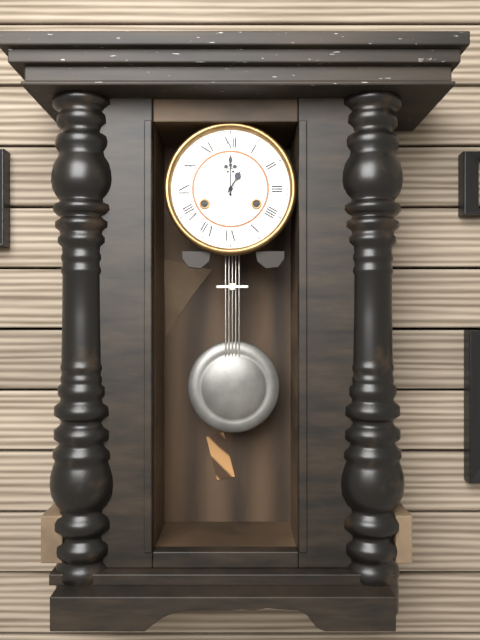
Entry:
1.00
